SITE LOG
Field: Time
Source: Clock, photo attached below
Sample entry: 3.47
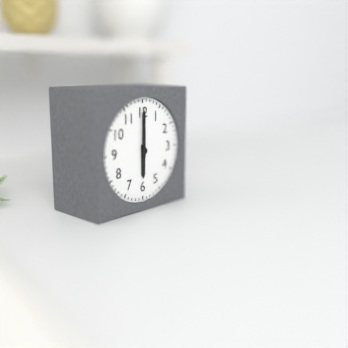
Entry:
6.00
